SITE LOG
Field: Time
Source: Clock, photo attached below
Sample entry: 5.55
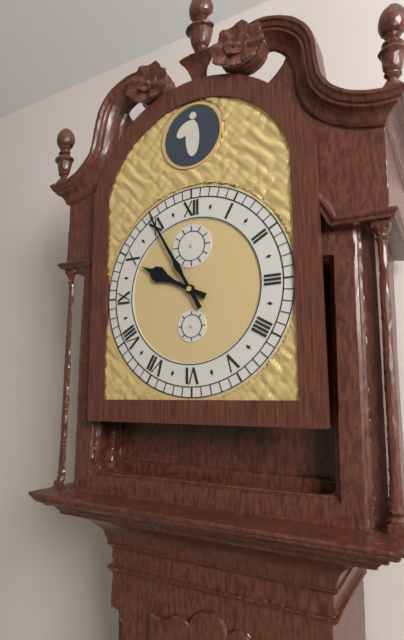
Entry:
9.55
